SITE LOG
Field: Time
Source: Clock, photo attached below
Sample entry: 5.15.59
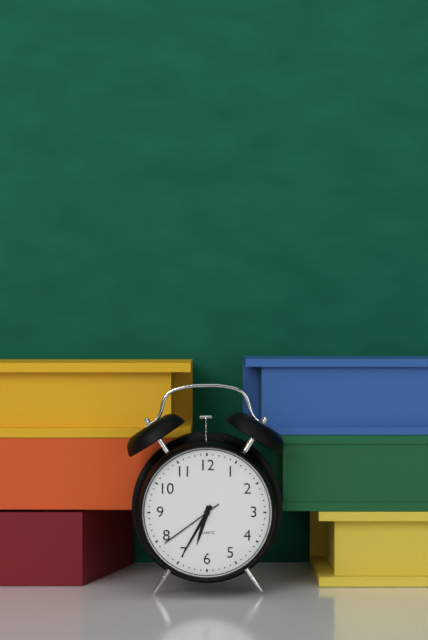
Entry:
6.35.39
